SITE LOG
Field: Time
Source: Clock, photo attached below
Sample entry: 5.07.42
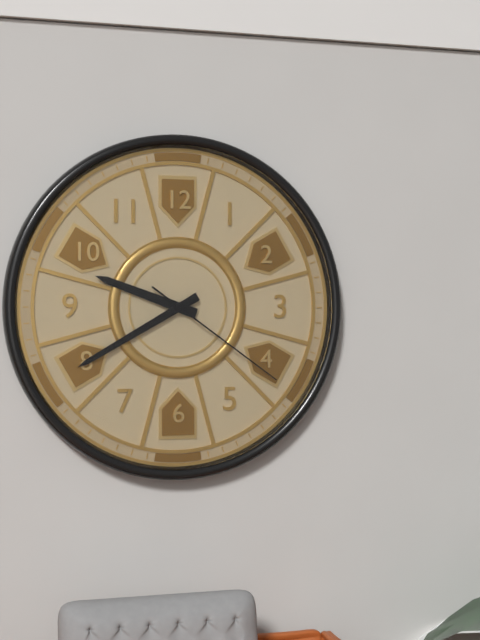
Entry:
9.40.21
